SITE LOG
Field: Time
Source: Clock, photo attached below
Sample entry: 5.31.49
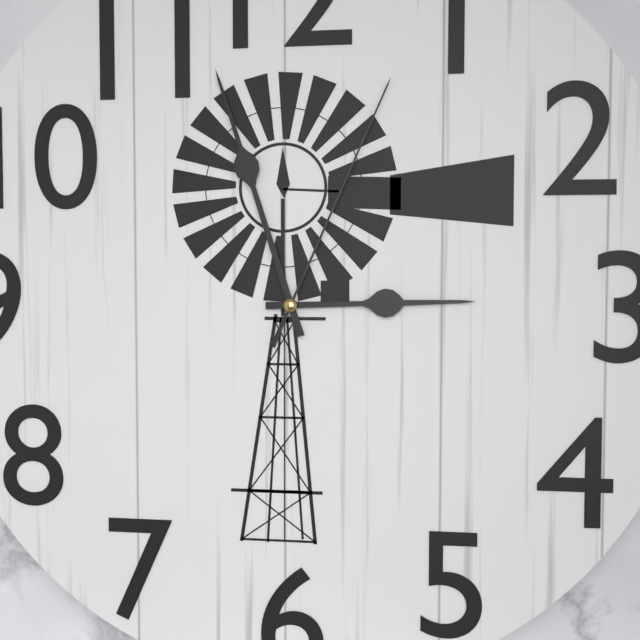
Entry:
2.57.04
